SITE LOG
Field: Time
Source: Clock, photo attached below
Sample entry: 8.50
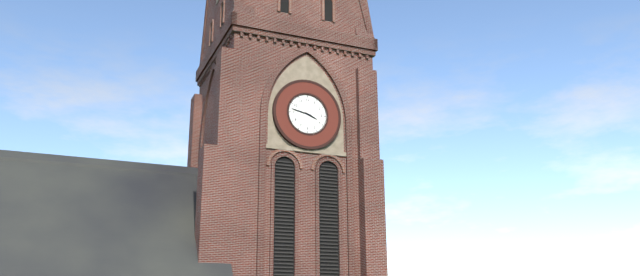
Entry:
3.47
